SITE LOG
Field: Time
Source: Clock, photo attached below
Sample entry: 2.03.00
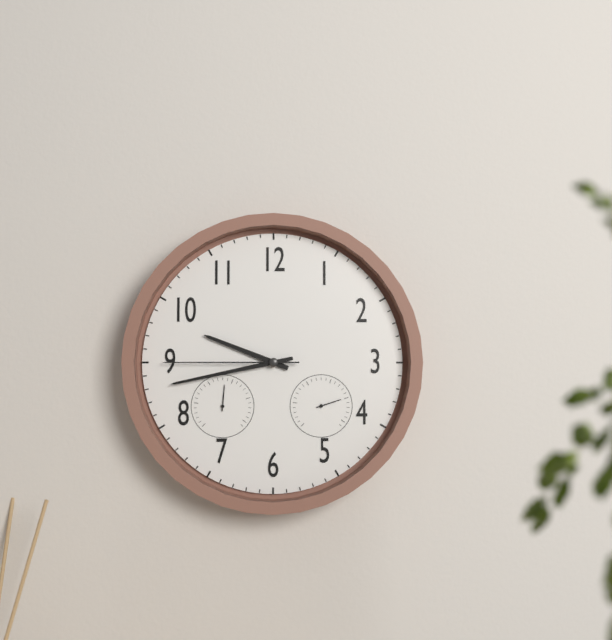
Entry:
9.43.45
